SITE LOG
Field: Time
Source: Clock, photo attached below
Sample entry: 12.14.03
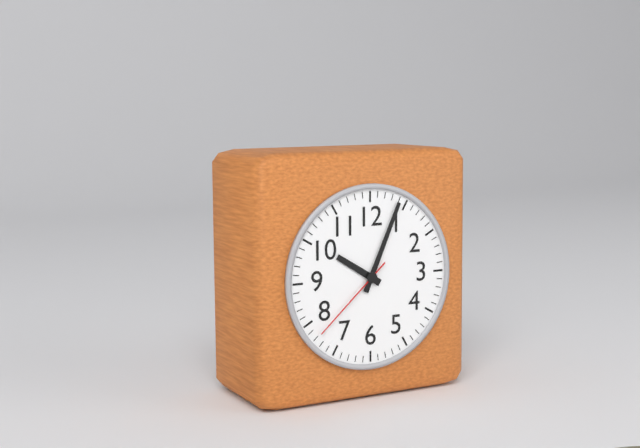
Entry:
10.04.38
